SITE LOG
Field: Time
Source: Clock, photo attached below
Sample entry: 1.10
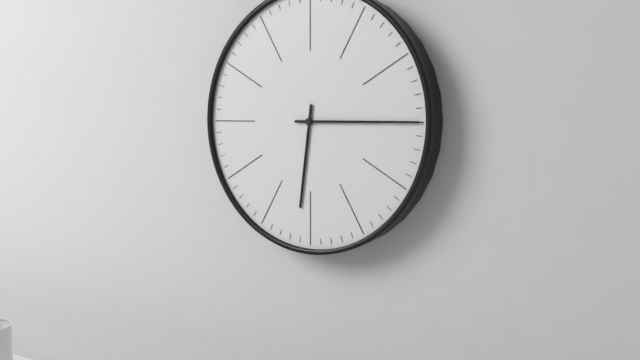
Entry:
6.15
